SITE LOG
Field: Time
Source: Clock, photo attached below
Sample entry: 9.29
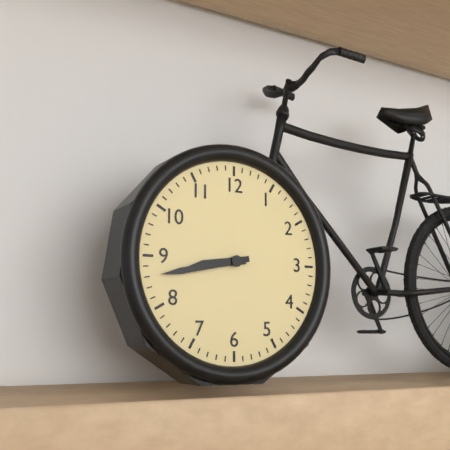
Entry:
8.43
